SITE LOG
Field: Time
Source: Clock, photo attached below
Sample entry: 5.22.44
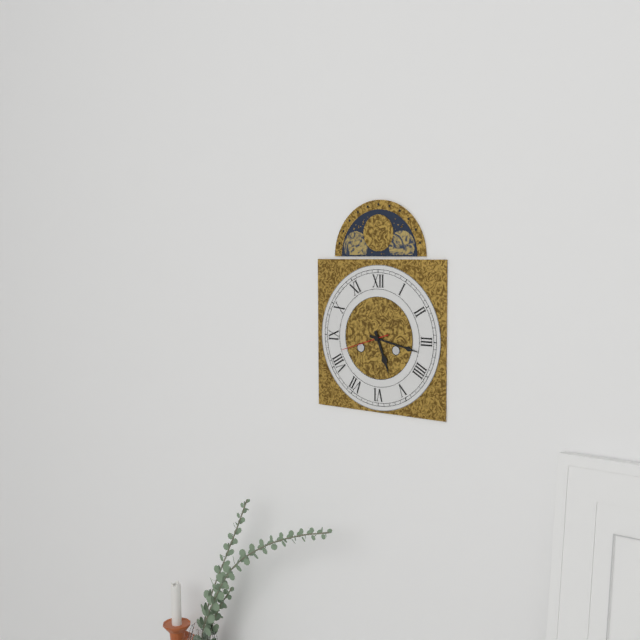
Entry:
5.17.42
